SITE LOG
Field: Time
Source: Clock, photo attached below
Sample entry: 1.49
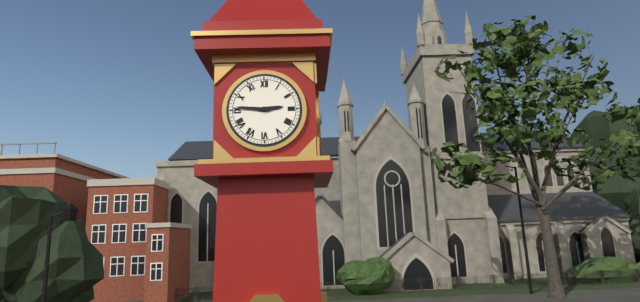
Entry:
2.46
